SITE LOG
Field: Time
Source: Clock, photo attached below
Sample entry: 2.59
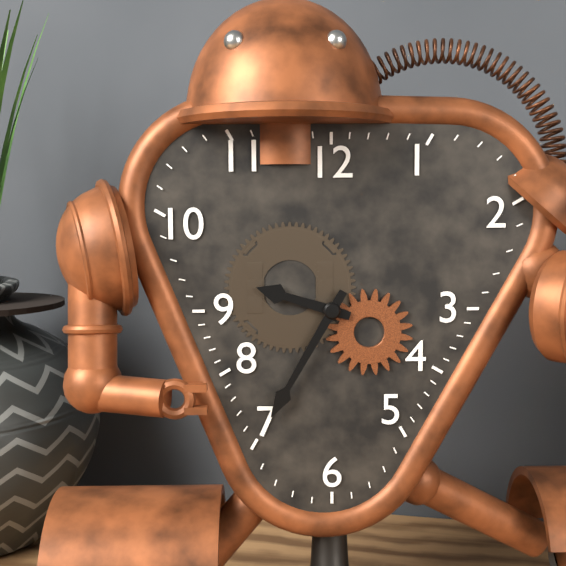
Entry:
9.35
